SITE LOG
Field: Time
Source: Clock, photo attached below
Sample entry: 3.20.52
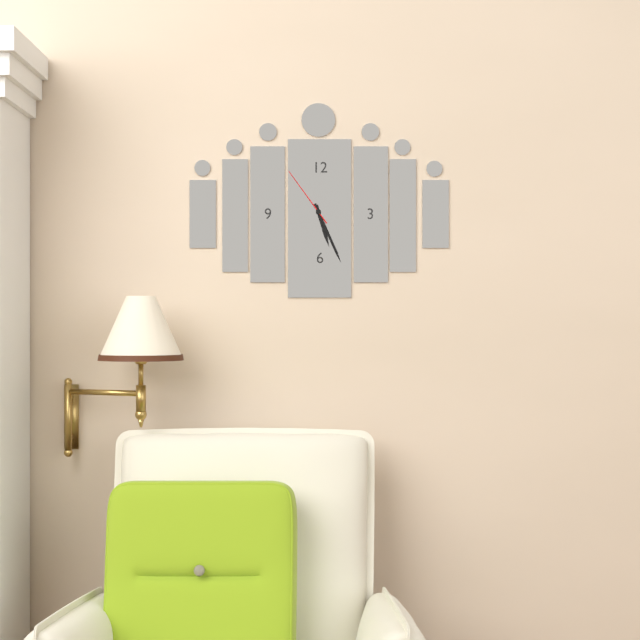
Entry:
5.26.54
